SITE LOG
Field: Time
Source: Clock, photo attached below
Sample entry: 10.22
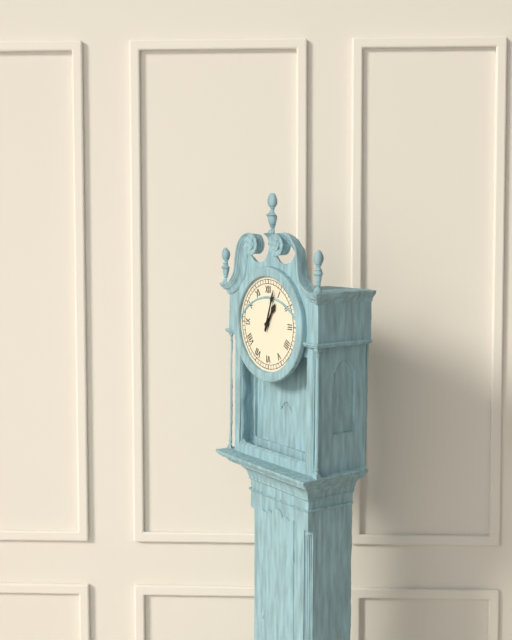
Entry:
1.03
